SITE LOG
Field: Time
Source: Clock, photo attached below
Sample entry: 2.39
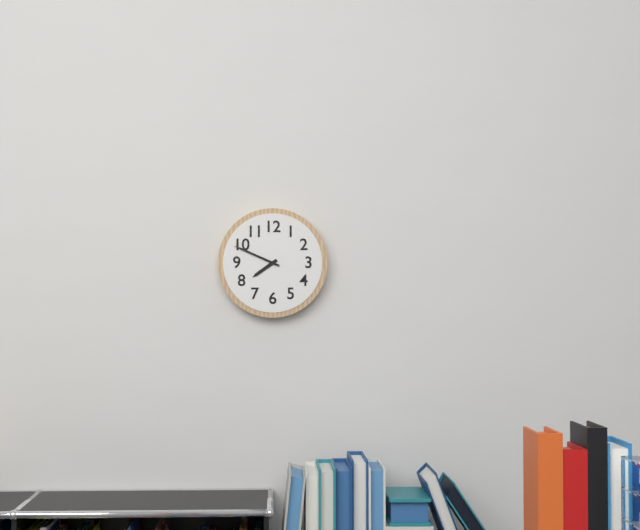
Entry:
7.49
